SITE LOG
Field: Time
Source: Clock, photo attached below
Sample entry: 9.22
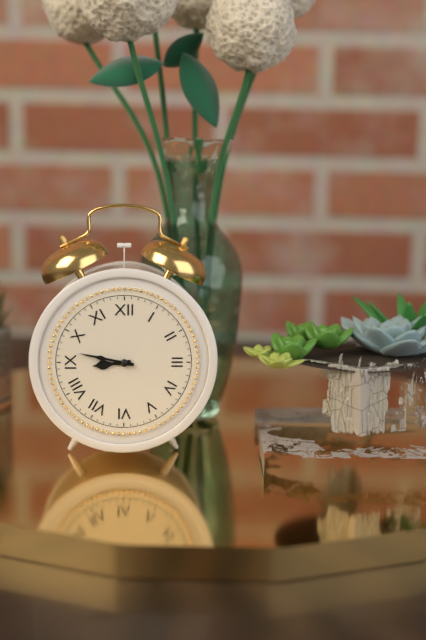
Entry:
8.47
